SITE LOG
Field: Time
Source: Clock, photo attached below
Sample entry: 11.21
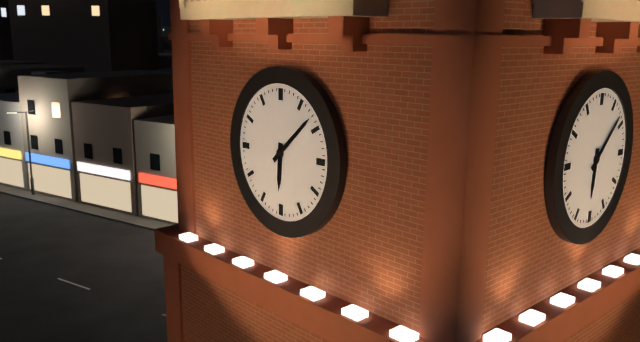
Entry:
6.08
